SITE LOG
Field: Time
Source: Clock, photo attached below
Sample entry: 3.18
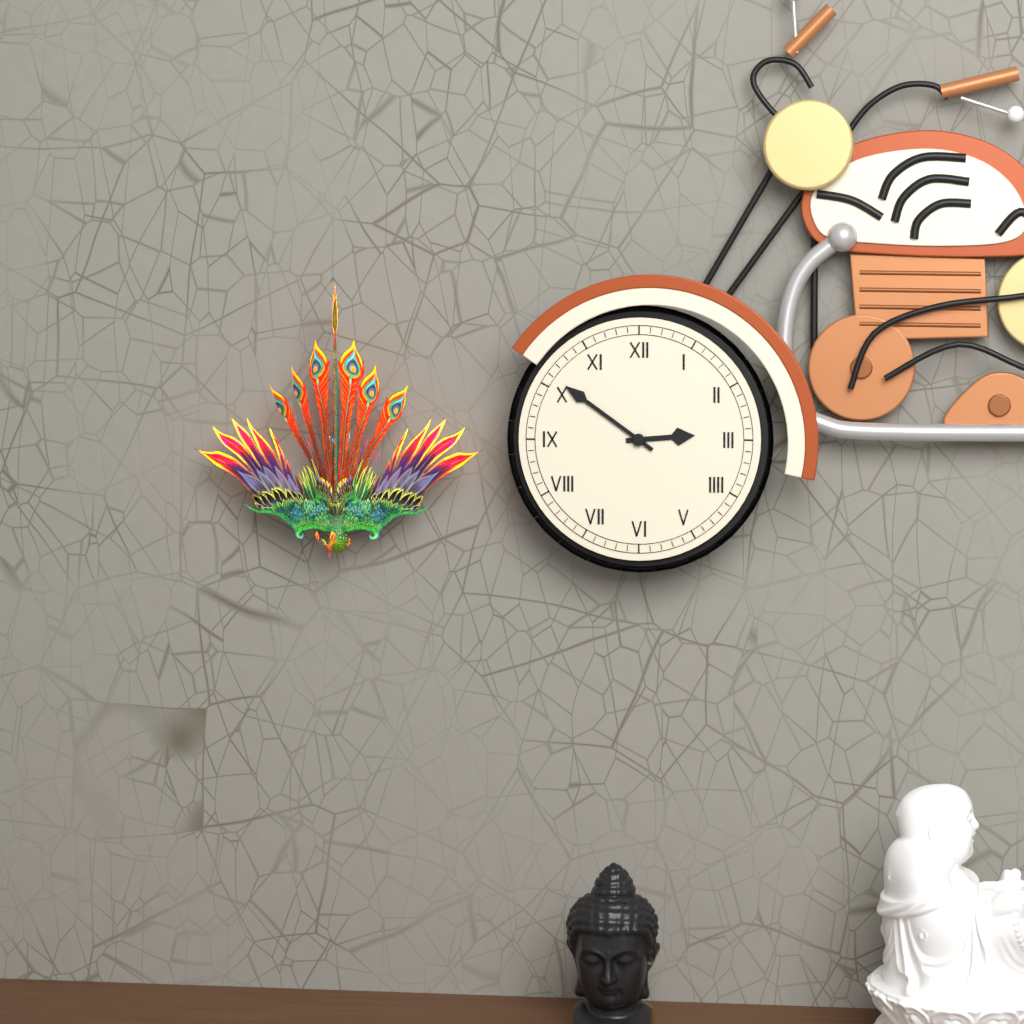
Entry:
2.51
